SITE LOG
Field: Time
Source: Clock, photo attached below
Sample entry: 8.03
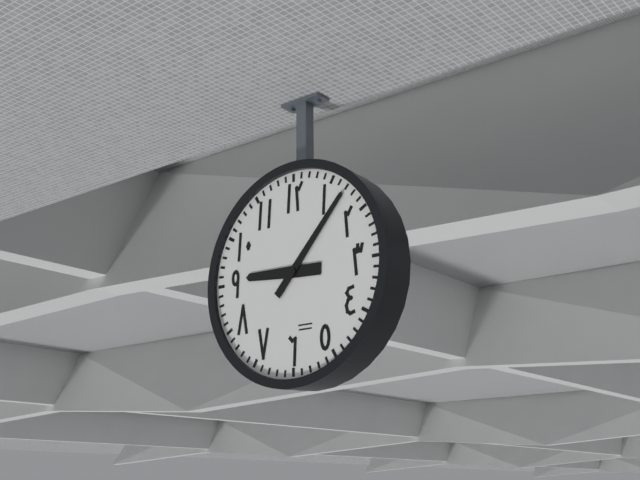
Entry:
9.07
